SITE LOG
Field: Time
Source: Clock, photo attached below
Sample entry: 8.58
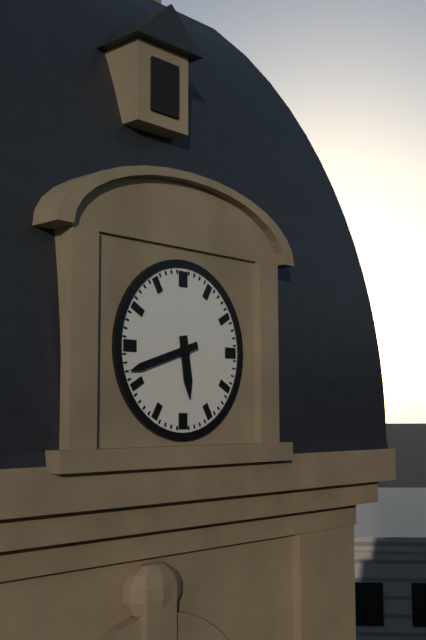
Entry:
5.42
